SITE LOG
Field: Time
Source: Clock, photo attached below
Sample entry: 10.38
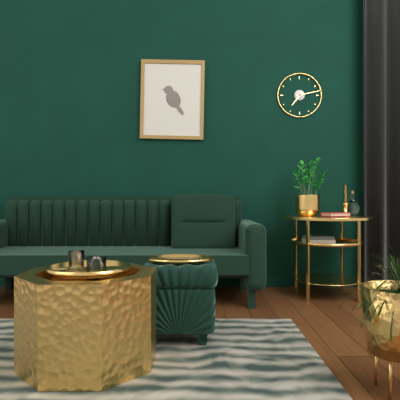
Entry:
7.13
